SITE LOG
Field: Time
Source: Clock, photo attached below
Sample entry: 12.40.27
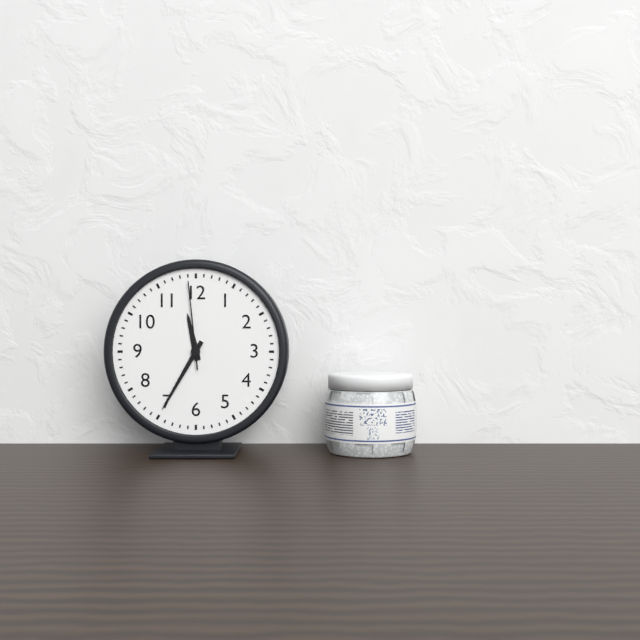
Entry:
11.35.59
